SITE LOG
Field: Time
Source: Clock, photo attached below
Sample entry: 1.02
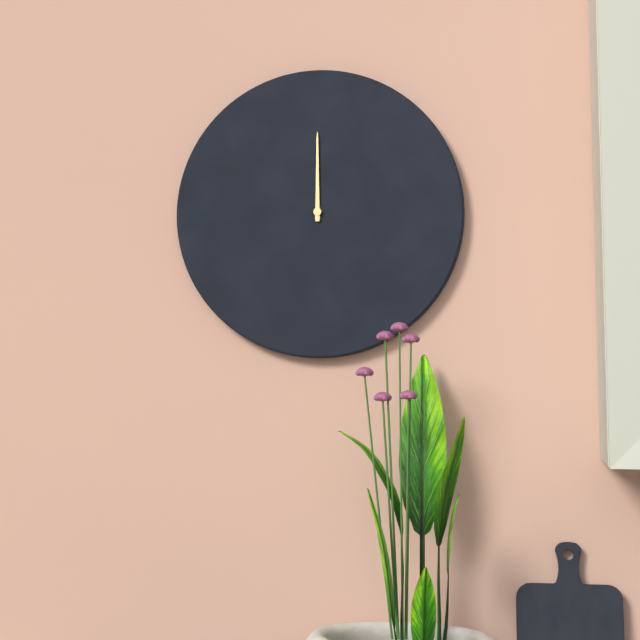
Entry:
12.00
